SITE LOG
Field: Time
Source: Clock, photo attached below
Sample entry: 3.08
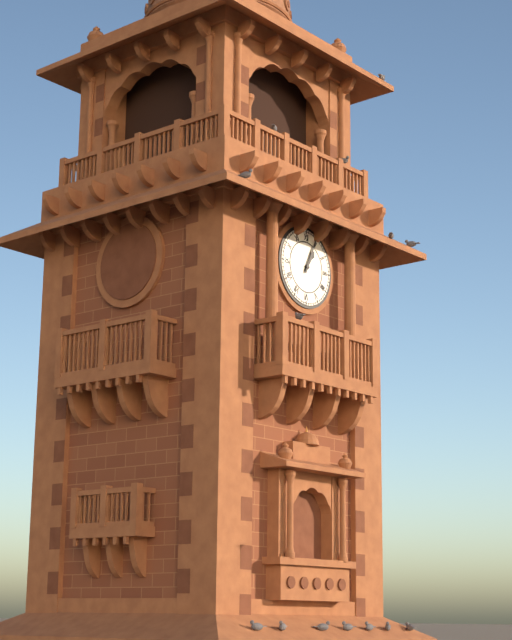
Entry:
1.04
